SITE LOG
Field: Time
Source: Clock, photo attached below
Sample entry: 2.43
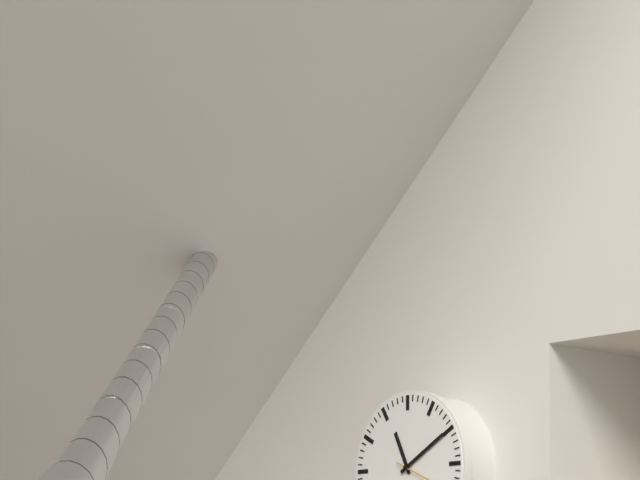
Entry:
11.10
